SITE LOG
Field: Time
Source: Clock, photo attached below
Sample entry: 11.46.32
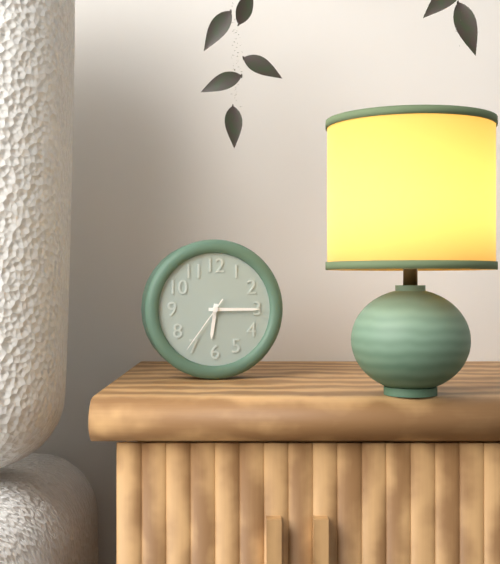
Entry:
6.15.36
